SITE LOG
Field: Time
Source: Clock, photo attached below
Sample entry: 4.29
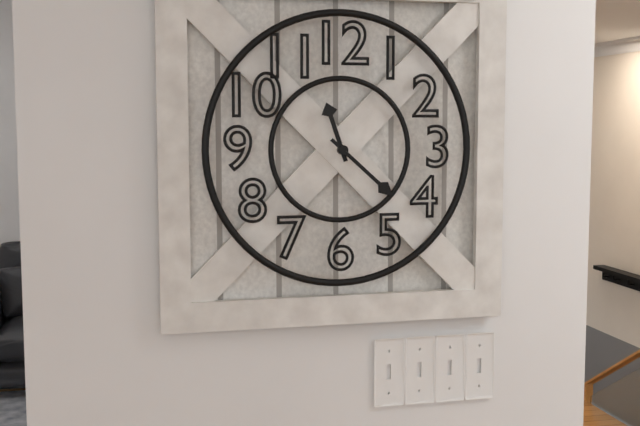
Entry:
11.22
